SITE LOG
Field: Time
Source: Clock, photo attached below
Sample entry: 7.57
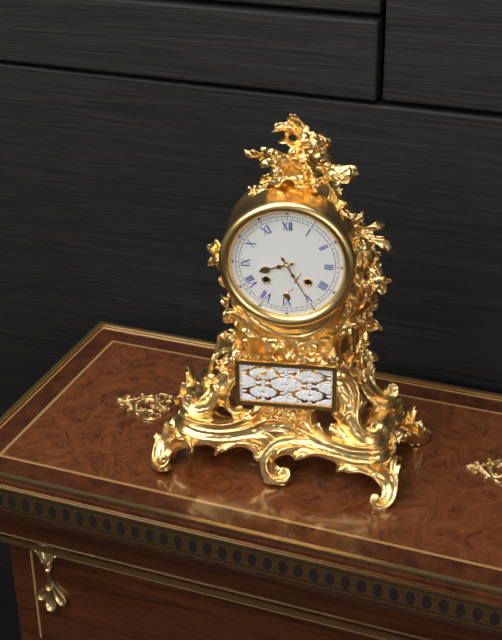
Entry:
8.25
